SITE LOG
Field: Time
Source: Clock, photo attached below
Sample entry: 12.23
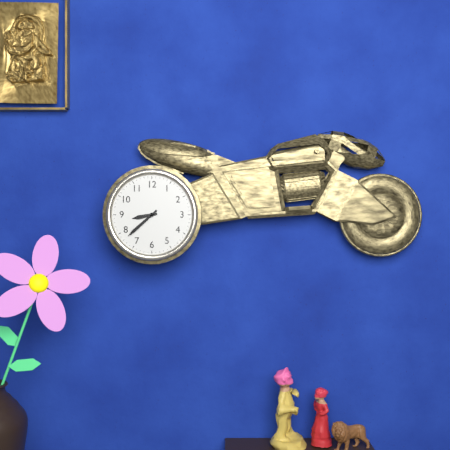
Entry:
8.38
